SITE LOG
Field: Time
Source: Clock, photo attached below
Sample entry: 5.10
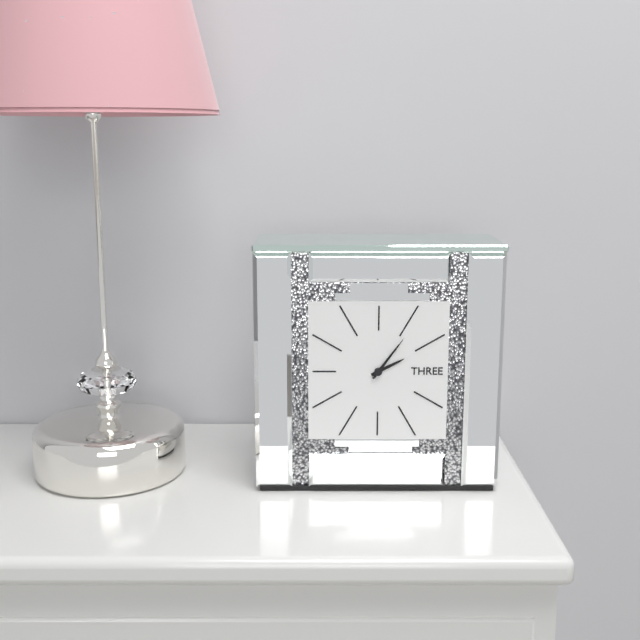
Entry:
2.06
